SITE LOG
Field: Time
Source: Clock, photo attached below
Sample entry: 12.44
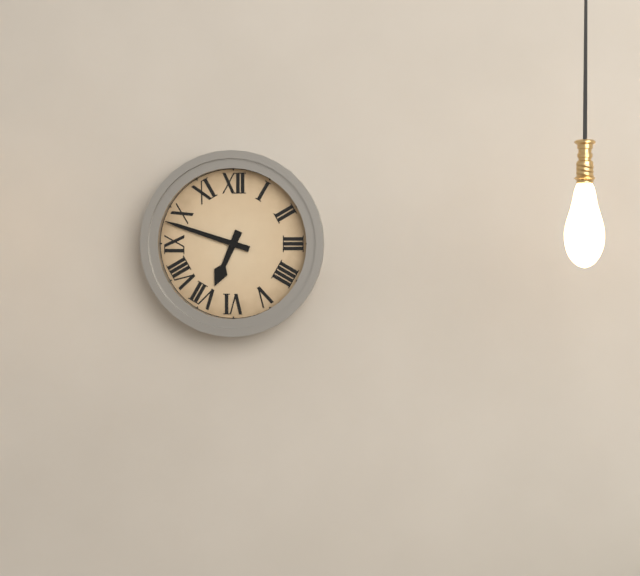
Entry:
6.48
